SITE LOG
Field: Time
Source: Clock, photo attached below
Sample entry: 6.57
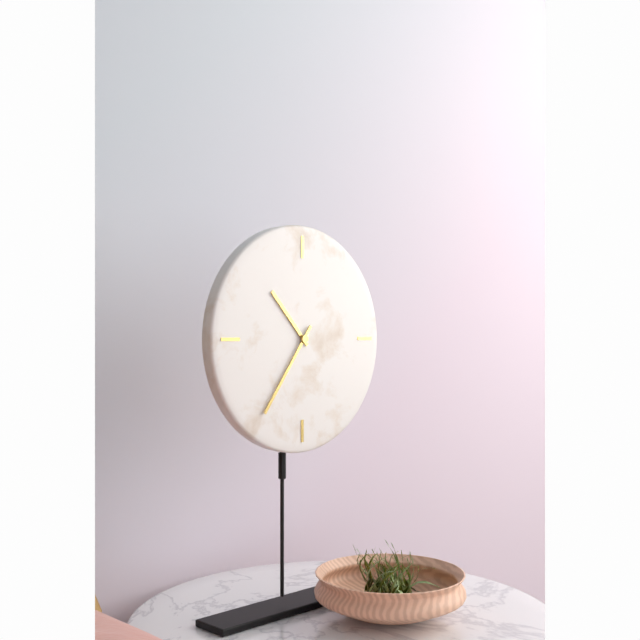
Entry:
10.36
